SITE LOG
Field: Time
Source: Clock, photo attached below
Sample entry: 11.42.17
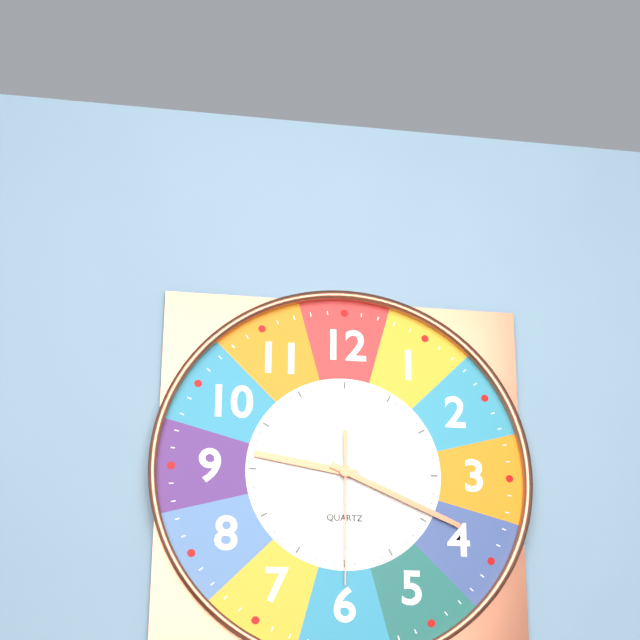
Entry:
9.19.30
